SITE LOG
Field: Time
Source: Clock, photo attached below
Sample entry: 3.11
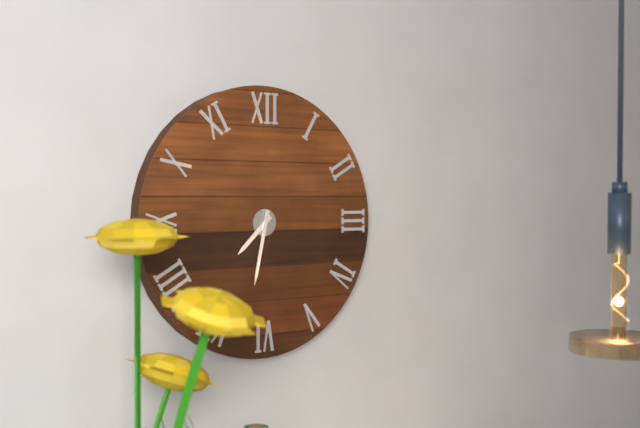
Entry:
7.32
